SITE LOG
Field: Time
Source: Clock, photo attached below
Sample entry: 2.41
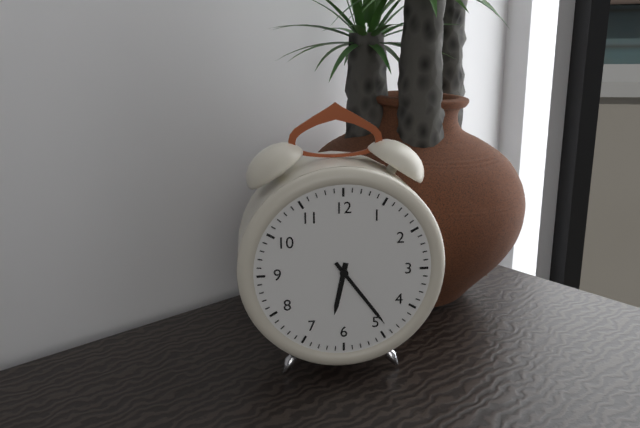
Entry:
6.24
